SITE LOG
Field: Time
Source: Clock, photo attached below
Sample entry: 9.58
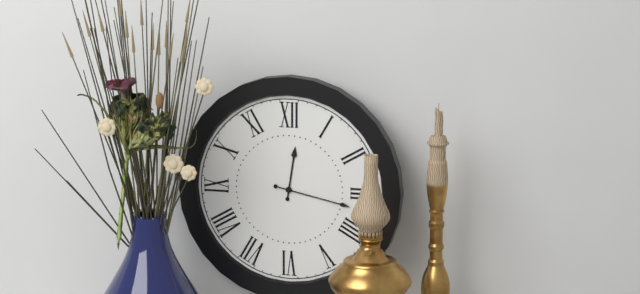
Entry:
12.17
